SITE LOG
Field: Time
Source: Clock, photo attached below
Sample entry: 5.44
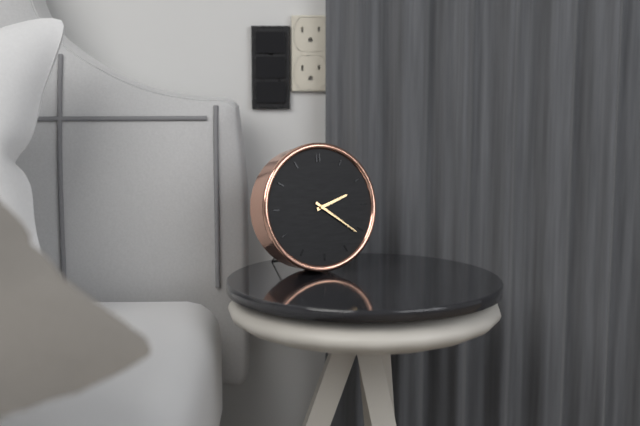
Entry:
2.21
